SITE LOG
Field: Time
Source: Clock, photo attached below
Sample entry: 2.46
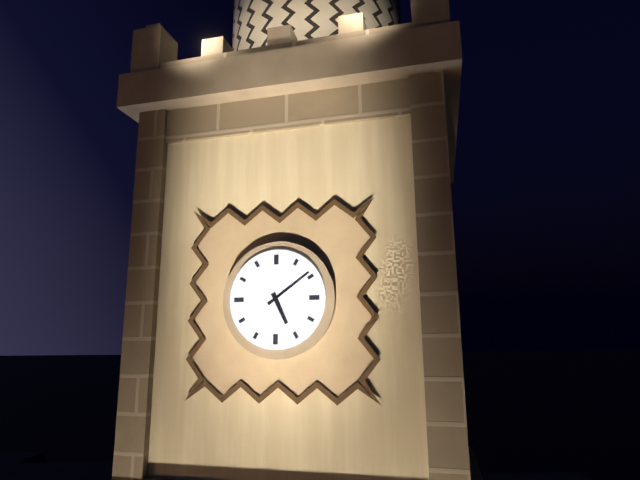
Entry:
5.09
